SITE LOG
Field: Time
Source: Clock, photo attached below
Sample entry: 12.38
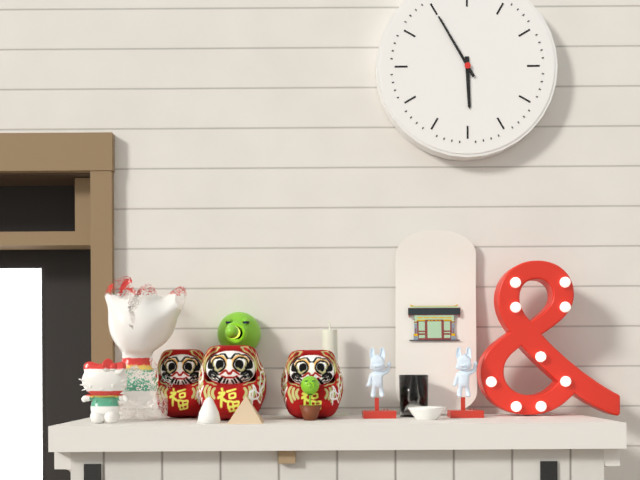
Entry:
5.55
